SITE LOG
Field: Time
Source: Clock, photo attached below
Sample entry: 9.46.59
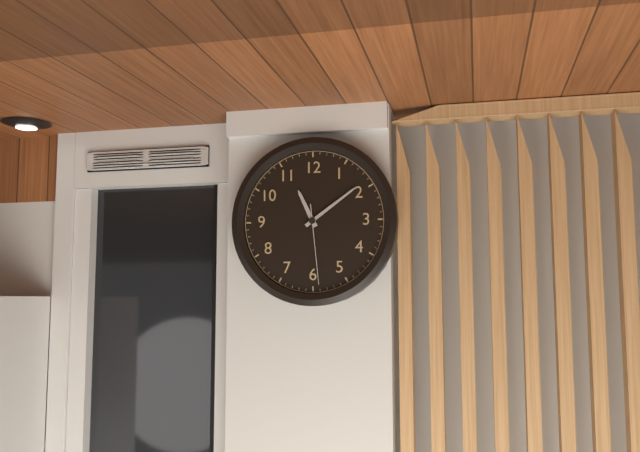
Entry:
11.09.29
